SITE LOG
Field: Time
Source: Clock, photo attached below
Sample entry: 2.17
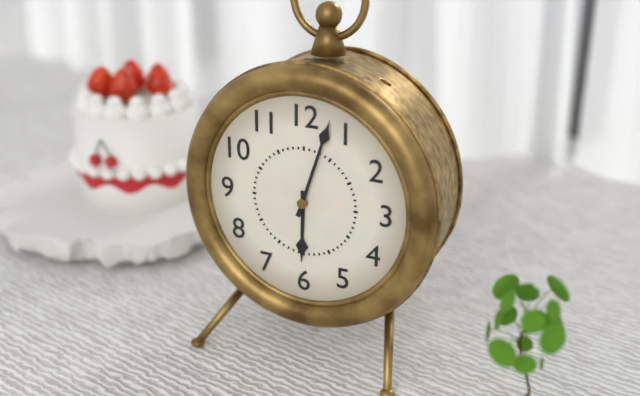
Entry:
6.03
